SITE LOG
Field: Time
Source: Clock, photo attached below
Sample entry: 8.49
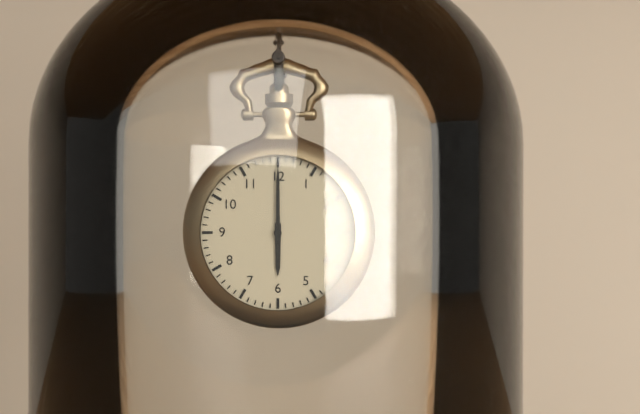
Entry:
6.00
